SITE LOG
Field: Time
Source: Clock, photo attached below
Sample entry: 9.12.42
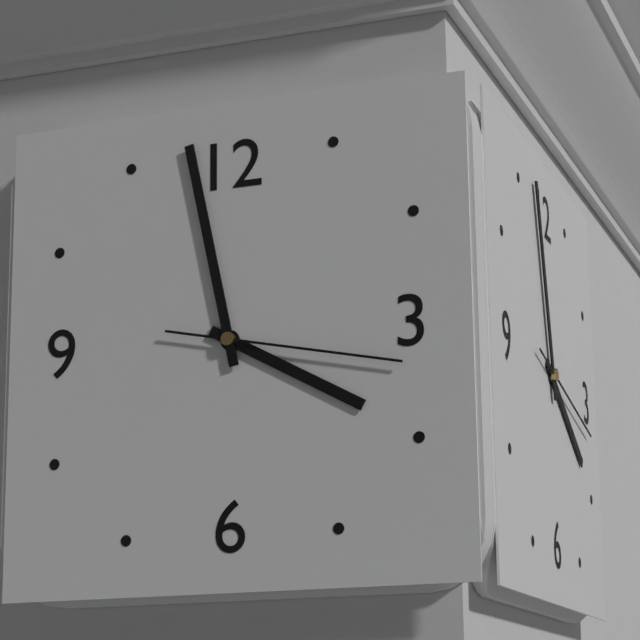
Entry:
3.58.17
